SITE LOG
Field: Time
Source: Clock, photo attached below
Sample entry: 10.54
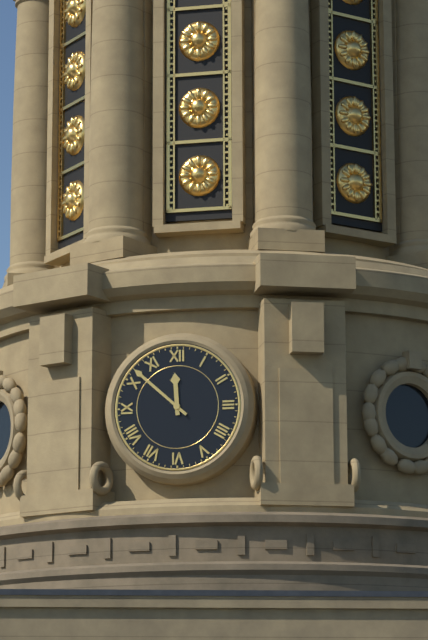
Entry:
11.52
